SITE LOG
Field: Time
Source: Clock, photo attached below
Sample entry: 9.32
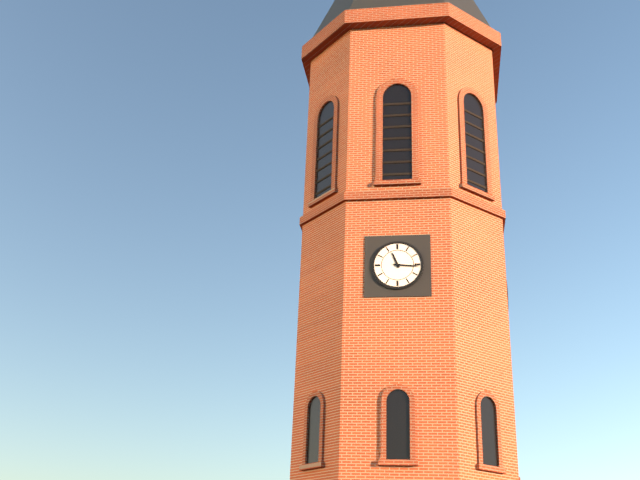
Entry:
11.16
